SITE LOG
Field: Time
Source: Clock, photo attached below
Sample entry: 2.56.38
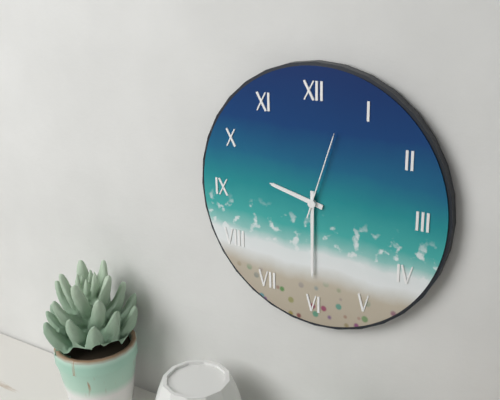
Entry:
9.30.03
